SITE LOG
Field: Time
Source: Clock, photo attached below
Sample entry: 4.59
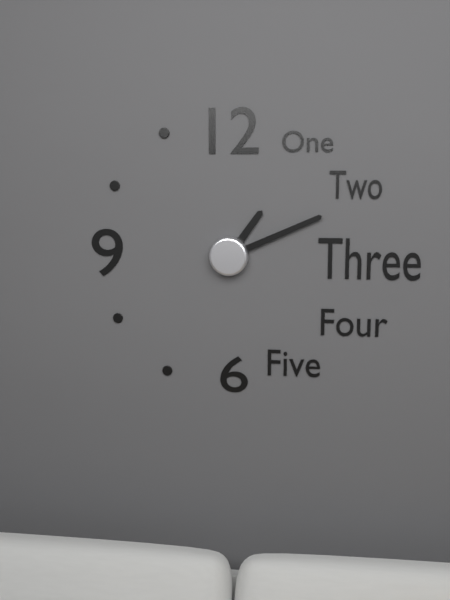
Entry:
1.11
